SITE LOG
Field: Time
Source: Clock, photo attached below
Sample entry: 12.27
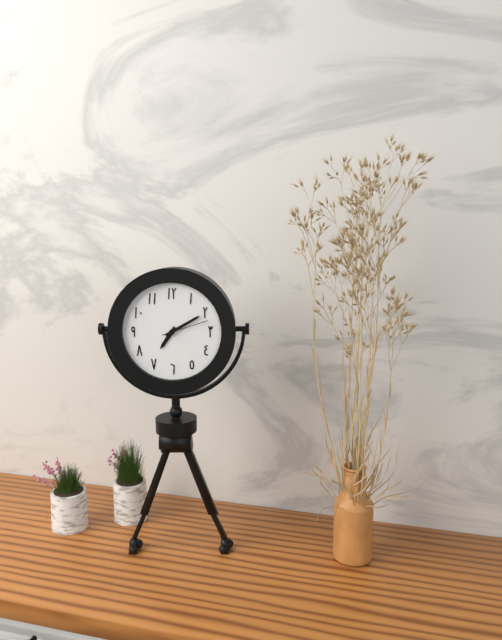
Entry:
7.10
